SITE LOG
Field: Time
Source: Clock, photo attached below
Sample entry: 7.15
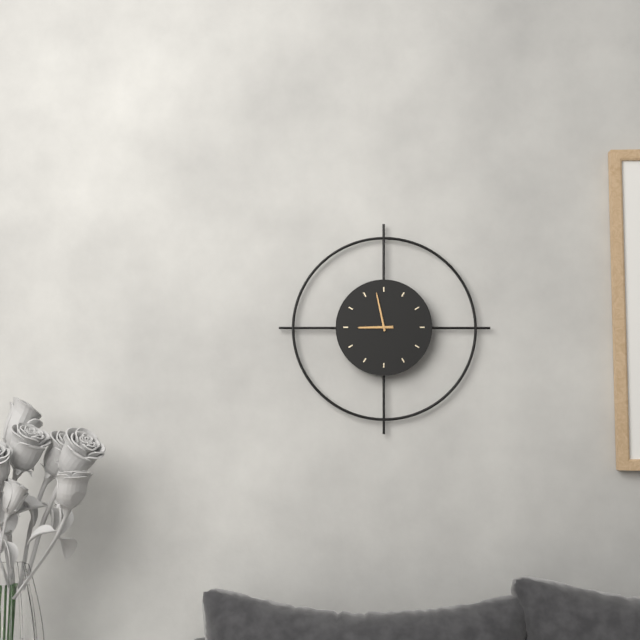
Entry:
8.58
